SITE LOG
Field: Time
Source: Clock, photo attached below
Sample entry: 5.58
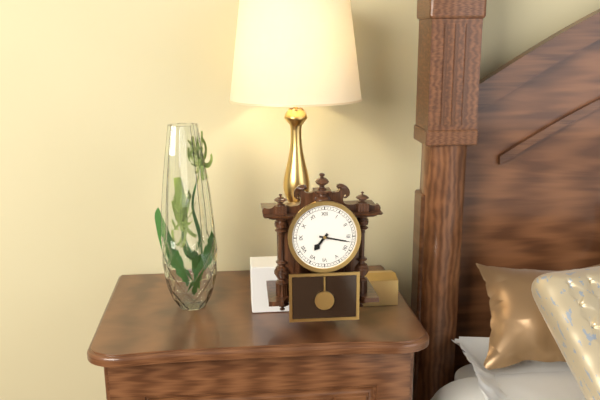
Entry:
7.17
